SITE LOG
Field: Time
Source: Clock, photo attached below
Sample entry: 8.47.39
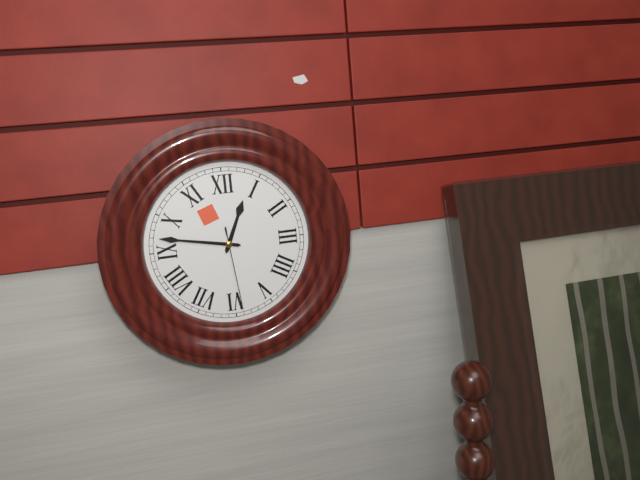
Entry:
12.47.29
